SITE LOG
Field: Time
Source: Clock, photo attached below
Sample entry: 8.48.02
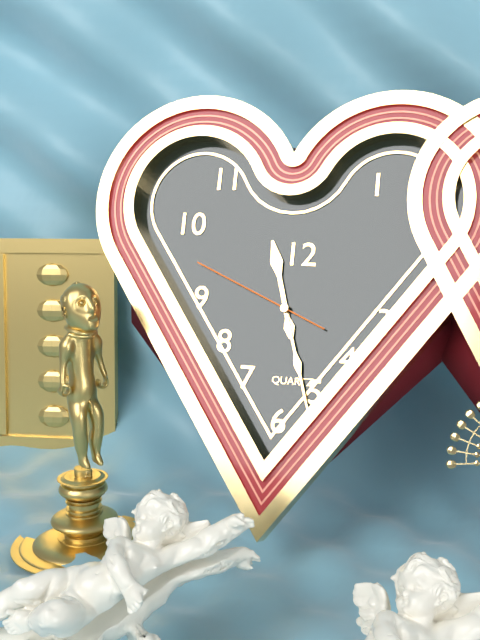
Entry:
11.27.49
